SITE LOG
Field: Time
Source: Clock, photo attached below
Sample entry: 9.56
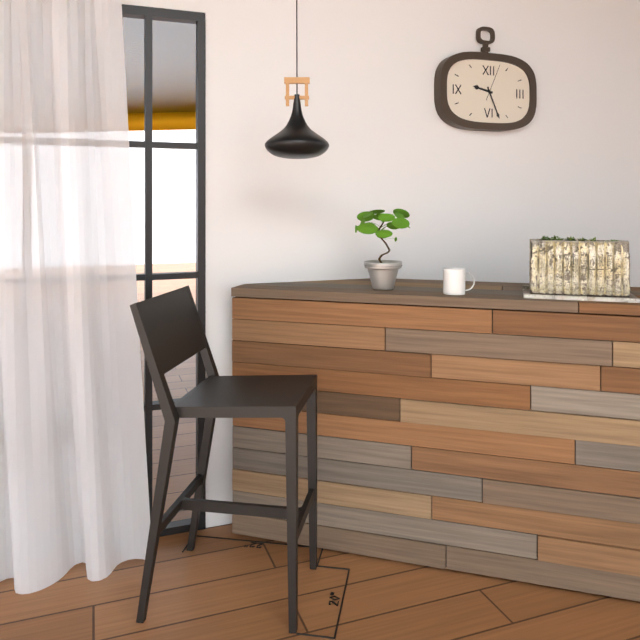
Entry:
9.26
